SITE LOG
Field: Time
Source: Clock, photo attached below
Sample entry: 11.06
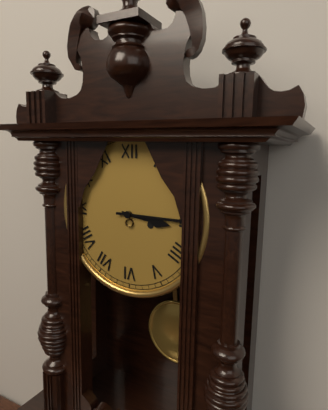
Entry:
3.15
